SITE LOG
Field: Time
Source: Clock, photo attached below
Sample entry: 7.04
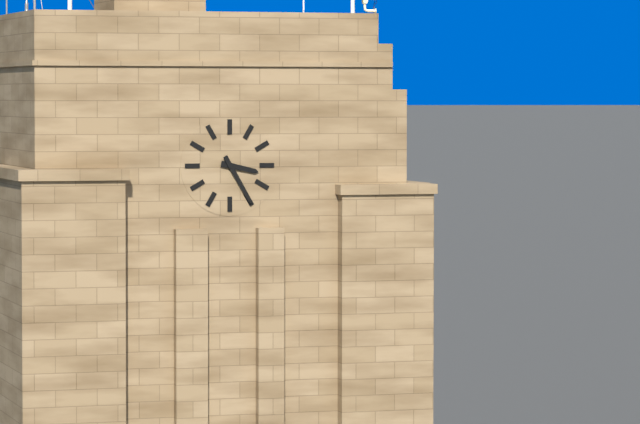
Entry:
3.25
